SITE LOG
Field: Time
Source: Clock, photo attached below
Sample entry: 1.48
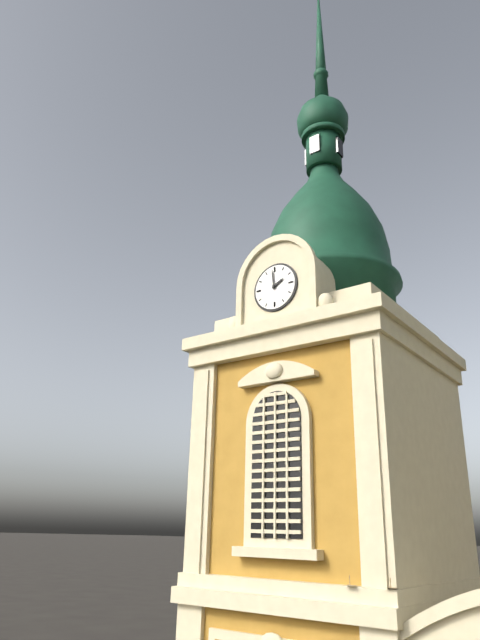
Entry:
1.59
